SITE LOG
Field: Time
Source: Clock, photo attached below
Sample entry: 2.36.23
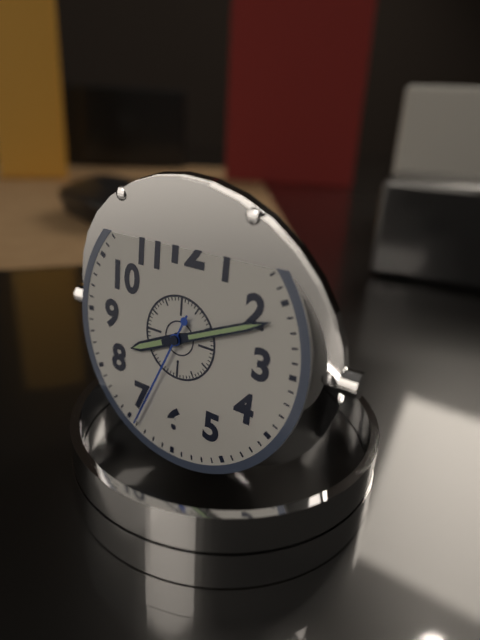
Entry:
8.11.34
